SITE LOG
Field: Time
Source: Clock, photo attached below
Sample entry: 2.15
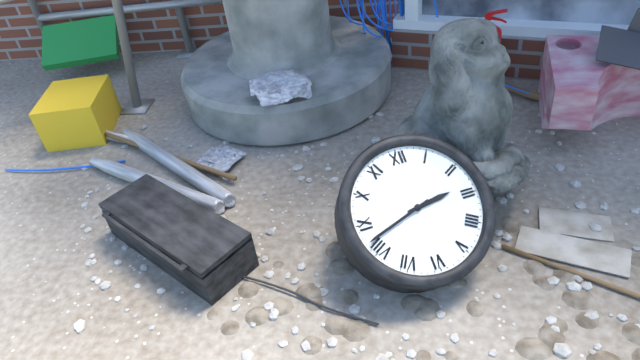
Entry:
2.42
